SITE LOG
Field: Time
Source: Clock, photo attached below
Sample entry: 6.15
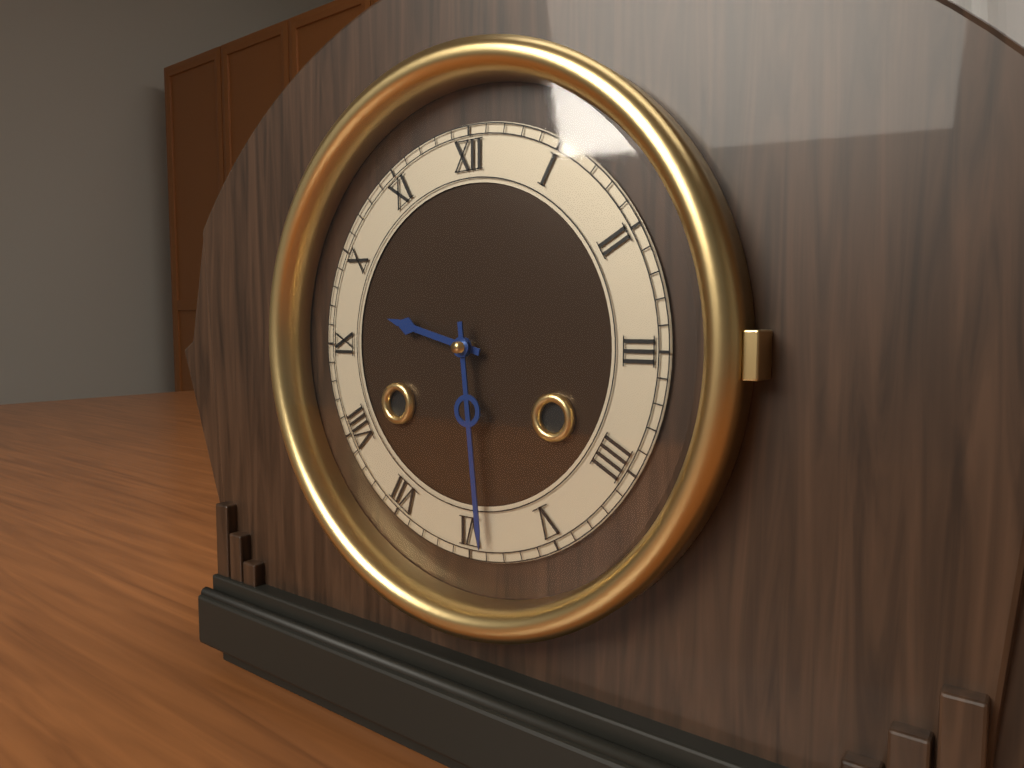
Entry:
9.29
